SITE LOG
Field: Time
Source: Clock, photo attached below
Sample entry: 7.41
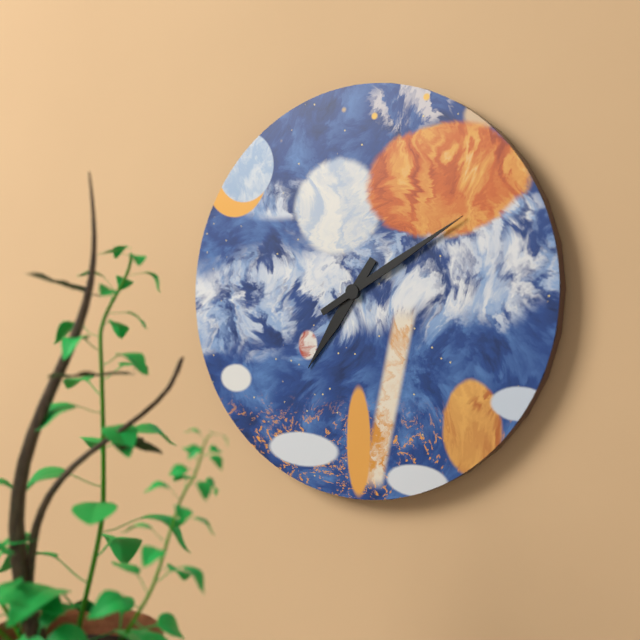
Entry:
7.10
